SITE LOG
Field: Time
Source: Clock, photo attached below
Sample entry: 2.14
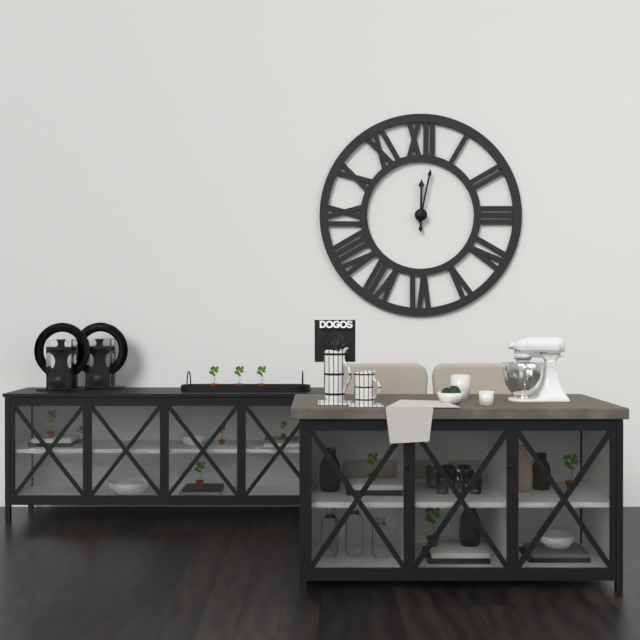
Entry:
12.02
